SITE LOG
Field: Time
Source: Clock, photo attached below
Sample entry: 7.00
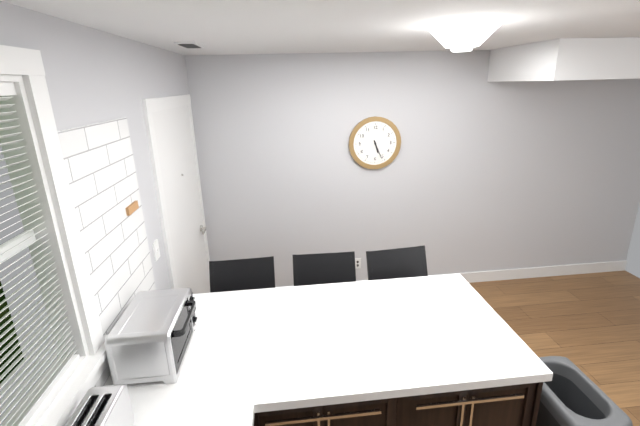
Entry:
5.26
